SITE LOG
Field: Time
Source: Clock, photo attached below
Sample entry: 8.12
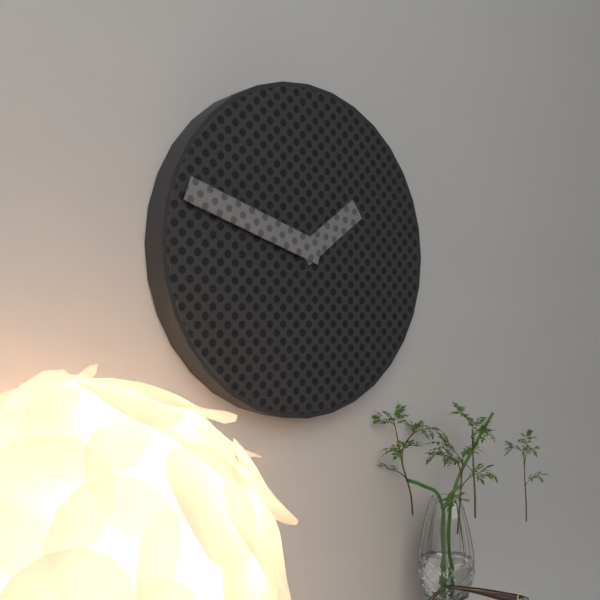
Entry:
1.48
